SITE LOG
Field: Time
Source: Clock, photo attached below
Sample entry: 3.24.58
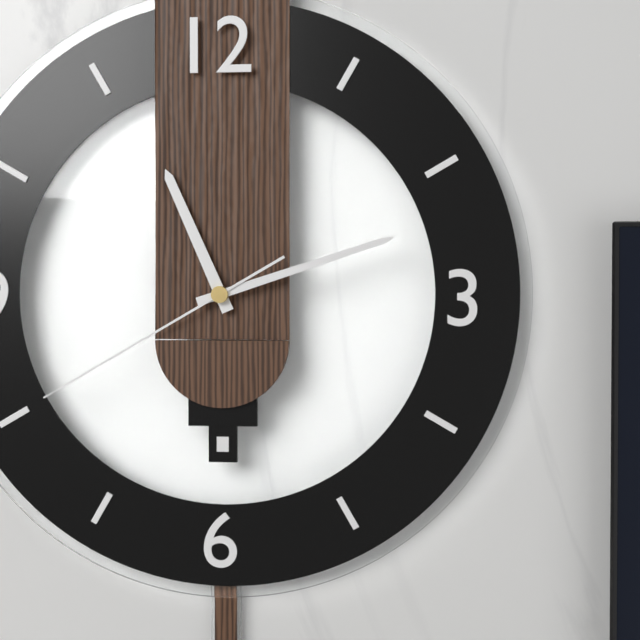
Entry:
11.12.40
